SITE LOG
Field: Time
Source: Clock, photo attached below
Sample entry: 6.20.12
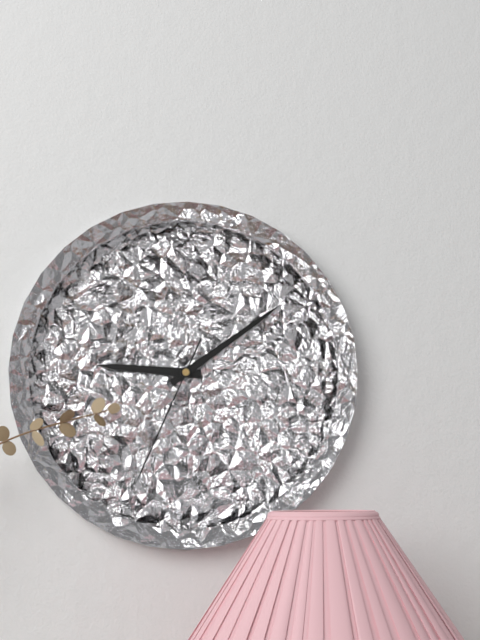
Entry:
9.09.34
